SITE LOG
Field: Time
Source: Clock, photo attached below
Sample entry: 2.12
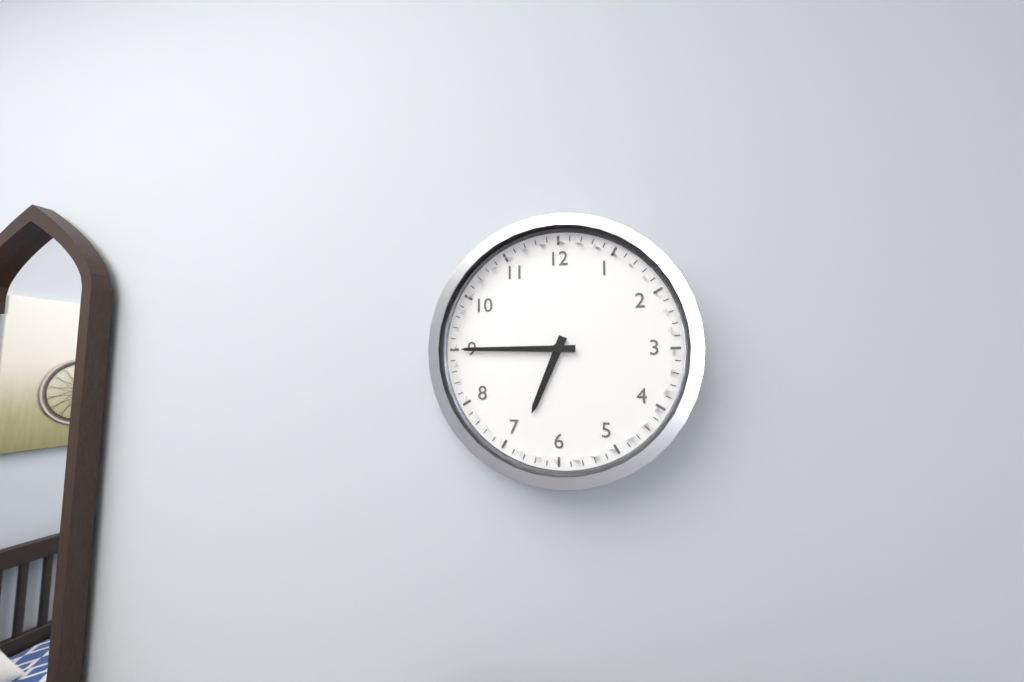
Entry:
6.45
